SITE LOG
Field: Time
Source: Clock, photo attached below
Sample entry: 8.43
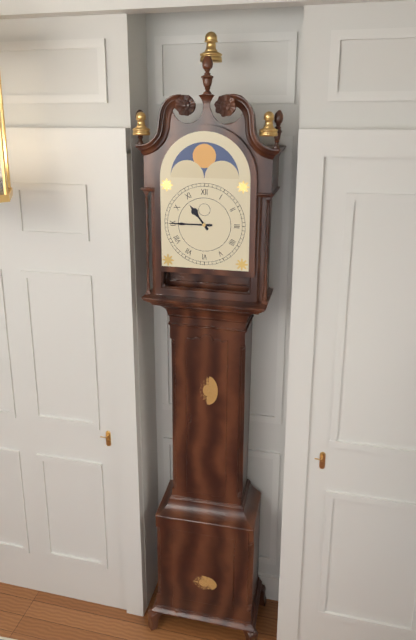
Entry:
10.45
